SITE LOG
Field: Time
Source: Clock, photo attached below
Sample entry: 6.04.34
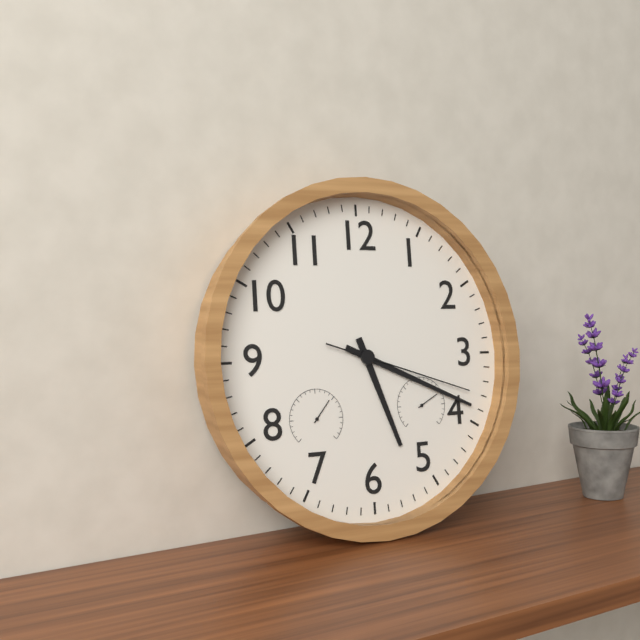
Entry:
5.19.18
